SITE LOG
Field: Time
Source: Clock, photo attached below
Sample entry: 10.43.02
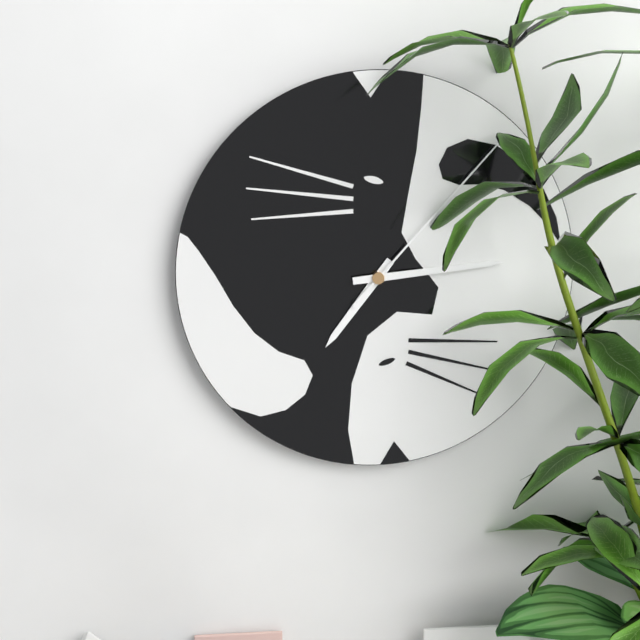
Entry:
7.14.07
